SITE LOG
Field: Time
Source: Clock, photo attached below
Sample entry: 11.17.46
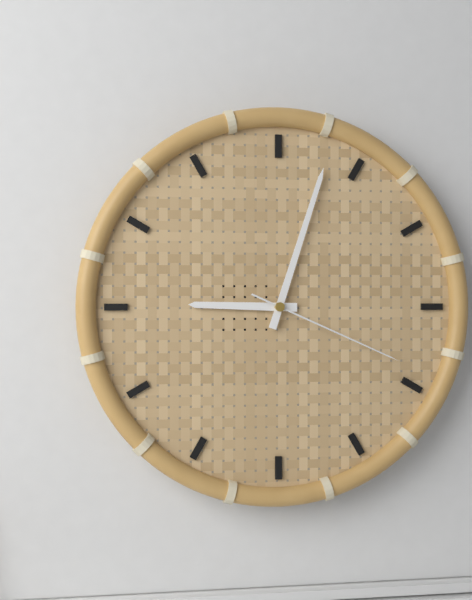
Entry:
9.03.19
